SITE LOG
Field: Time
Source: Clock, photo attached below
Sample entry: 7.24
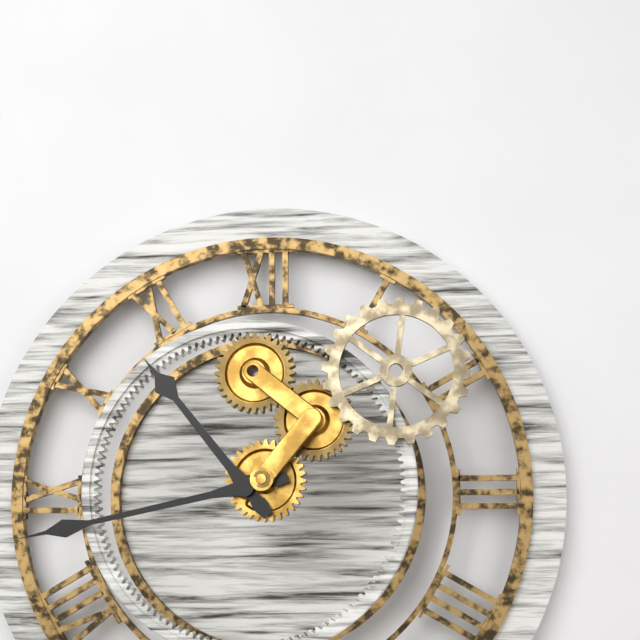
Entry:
10.43
